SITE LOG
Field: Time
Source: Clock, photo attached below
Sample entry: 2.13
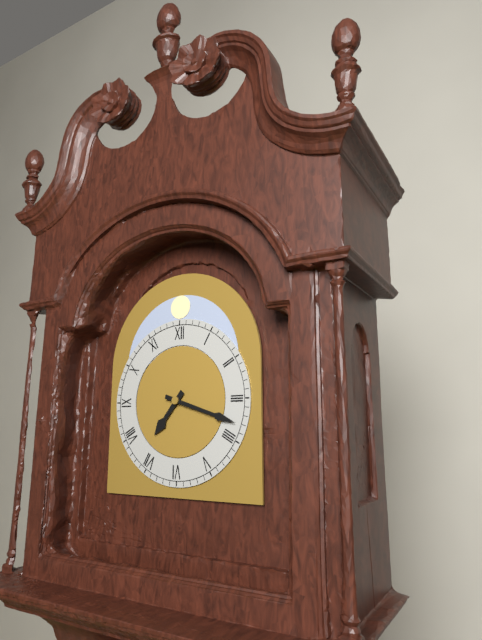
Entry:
7.18
